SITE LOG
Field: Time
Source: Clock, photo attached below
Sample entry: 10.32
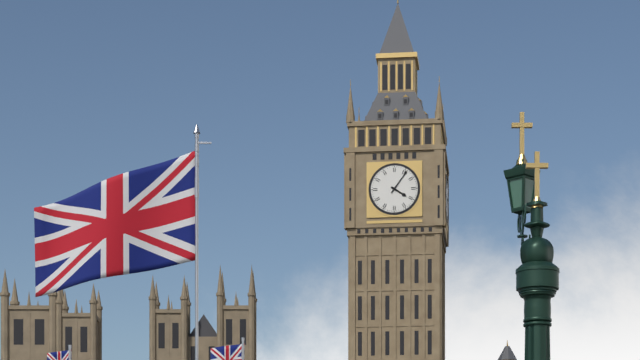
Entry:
4.06
